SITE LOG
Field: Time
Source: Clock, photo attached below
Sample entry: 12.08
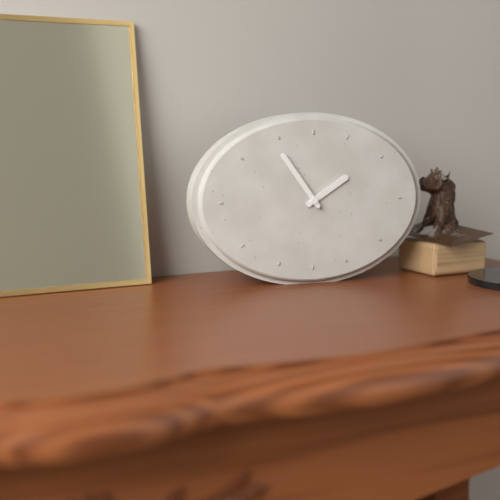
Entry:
1.54
